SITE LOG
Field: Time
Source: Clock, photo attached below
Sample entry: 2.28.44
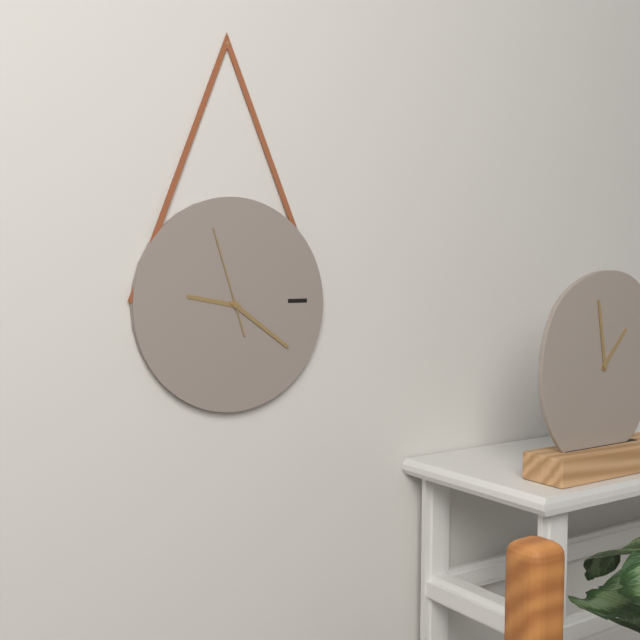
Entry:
9.21.57
